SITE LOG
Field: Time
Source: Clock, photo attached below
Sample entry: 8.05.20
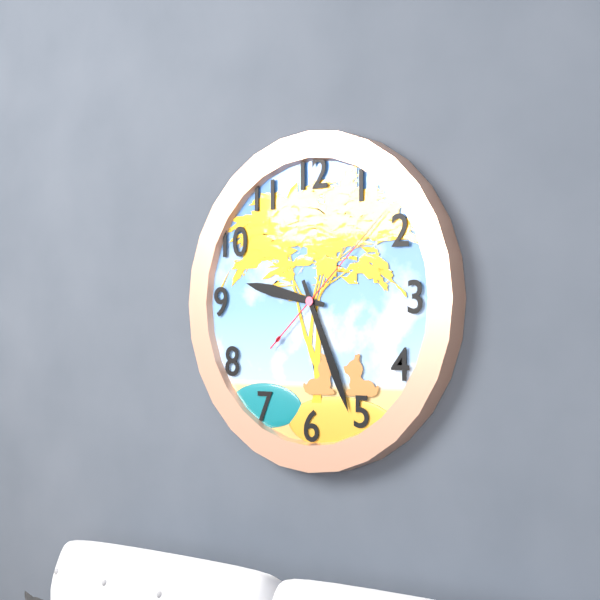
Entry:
9.26.08
